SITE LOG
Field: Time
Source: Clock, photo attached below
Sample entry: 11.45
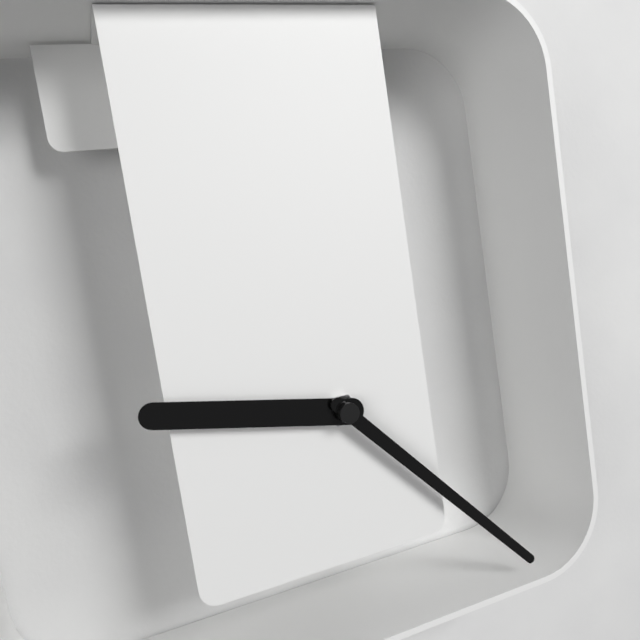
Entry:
9.23
